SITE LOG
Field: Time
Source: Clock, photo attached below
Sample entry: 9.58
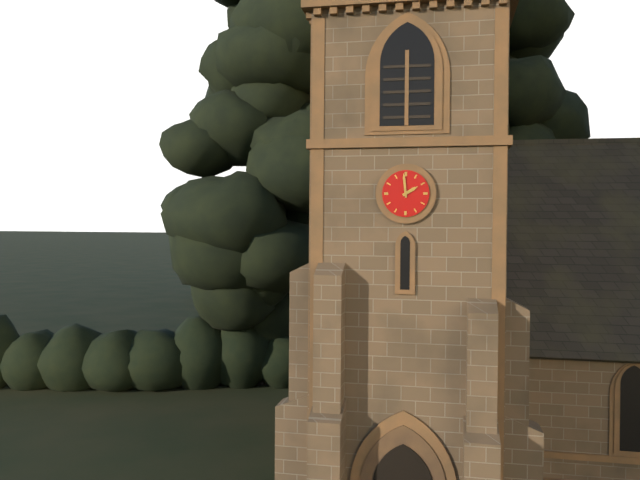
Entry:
1.59
